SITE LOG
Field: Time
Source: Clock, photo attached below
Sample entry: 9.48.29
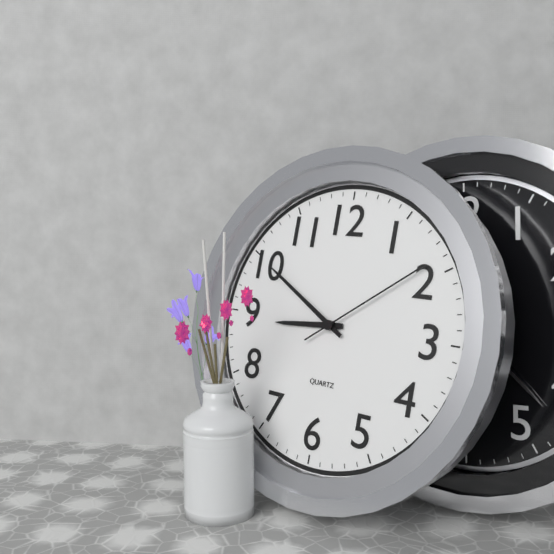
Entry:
8.50.09
